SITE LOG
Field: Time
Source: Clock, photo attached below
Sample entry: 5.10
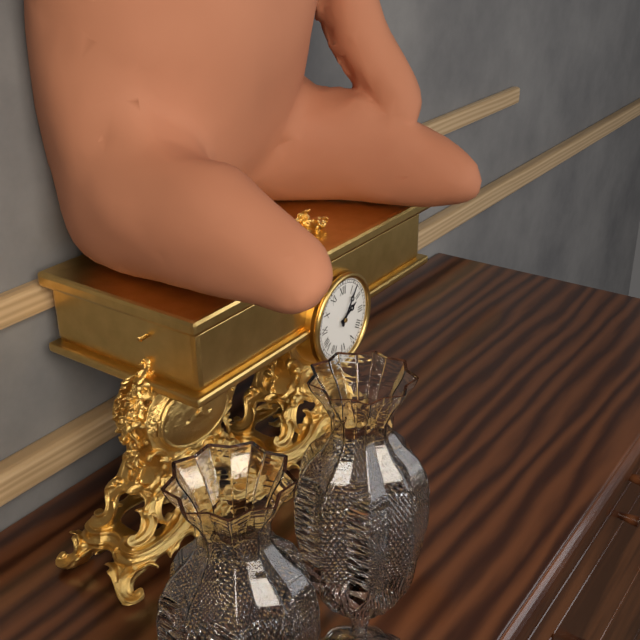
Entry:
2.06
